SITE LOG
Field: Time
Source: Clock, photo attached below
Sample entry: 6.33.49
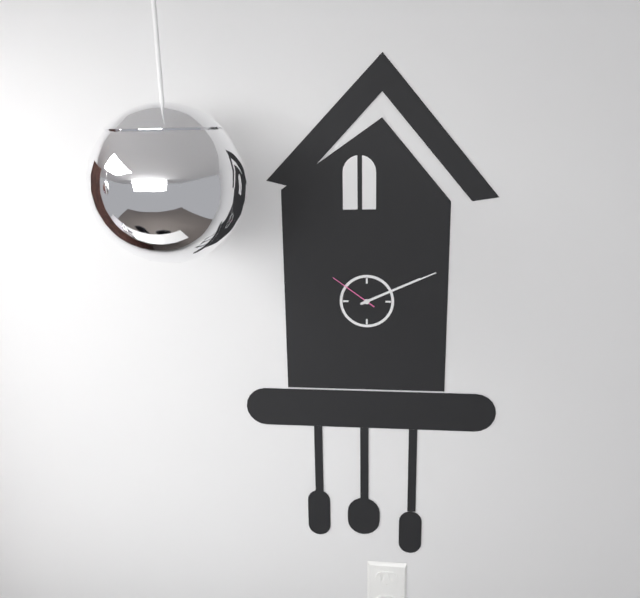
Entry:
2.11.51
